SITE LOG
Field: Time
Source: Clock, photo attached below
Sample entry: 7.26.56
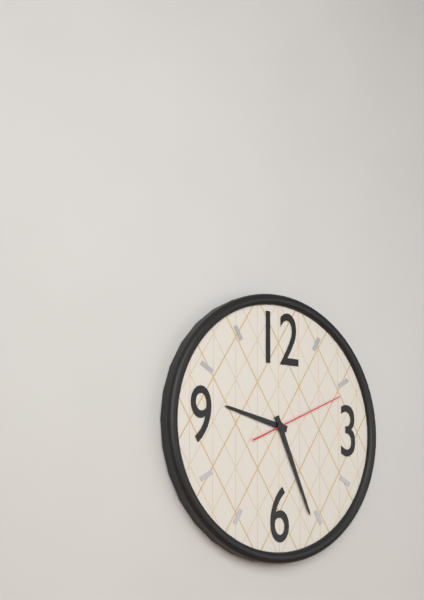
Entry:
9.26.11
